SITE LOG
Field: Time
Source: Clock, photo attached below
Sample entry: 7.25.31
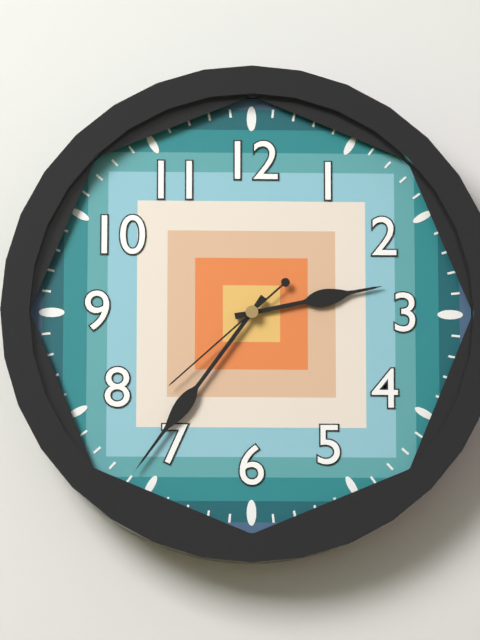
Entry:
2.36.38
